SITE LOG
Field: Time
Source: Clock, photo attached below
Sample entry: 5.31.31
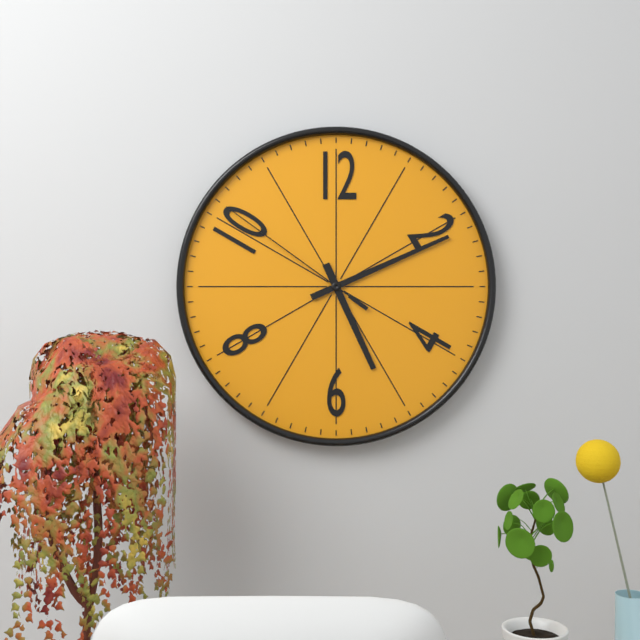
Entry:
5.11.51
